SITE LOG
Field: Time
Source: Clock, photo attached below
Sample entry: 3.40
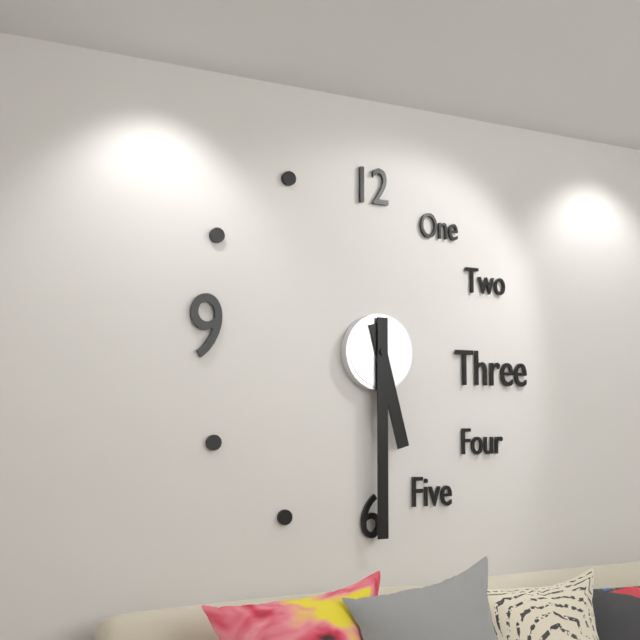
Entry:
5.30
